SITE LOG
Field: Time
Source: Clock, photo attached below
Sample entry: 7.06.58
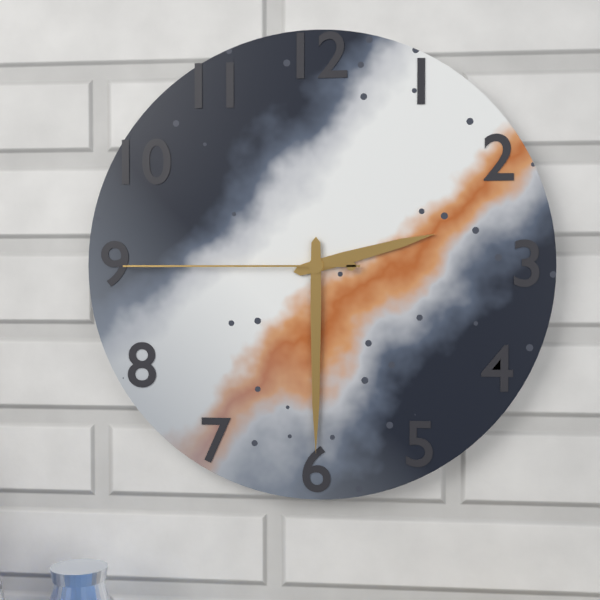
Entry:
2.30.45
